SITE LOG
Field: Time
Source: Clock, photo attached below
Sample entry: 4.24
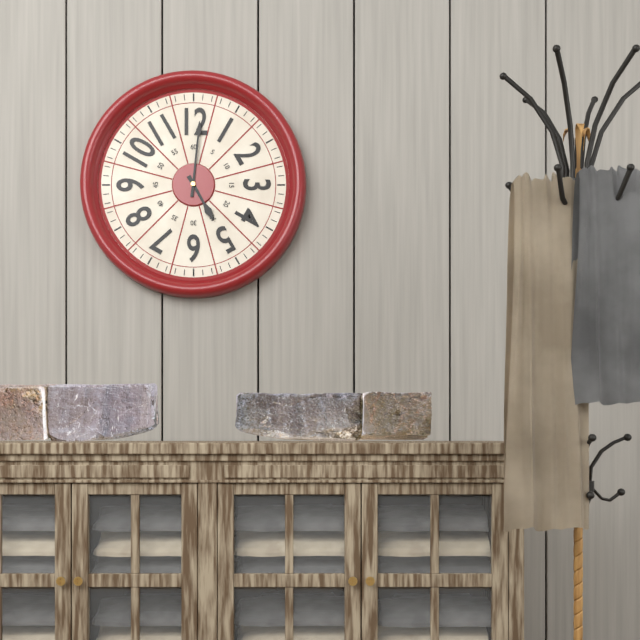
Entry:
5.01
